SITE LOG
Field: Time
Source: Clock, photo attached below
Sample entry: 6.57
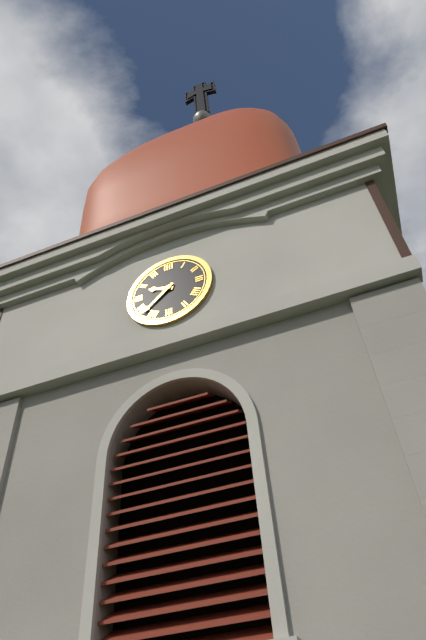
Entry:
9.38
